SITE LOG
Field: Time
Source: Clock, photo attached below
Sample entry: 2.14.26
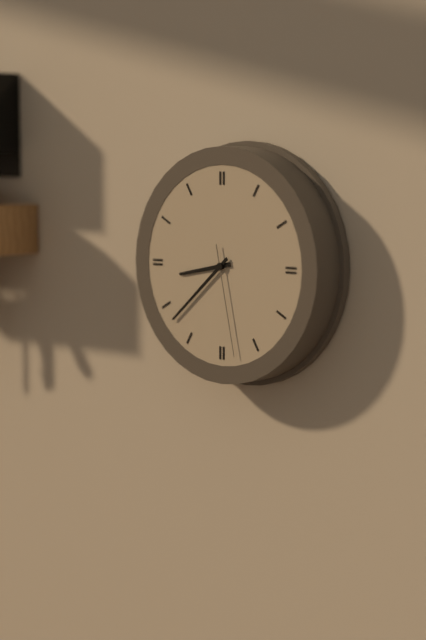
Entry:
8.38.28
